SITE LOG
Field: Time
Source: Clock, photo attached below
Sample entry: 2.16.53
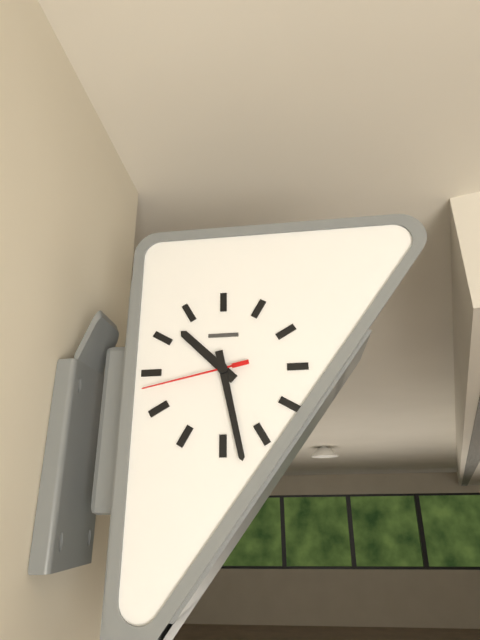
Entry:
10.28.43
